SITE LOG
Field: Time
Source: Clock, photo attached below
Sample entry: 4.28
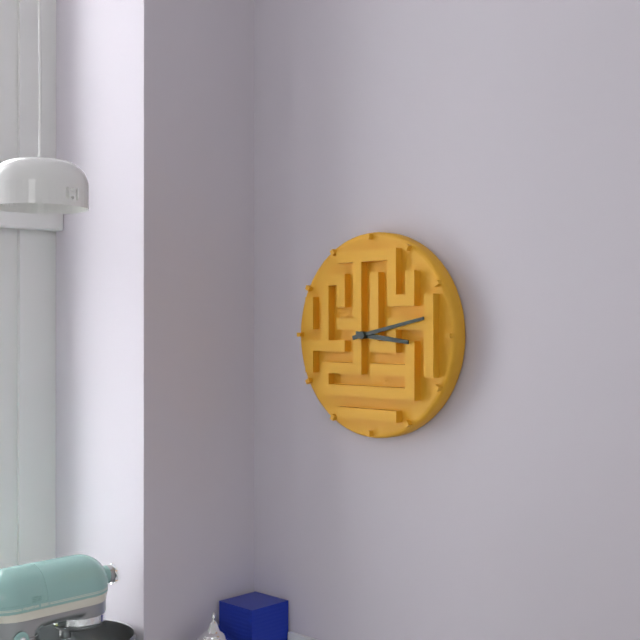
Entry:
3.13
